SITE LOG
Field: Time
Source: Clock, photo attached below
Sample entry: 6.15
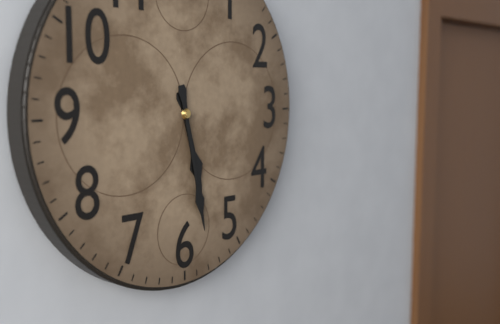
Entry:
5.28
